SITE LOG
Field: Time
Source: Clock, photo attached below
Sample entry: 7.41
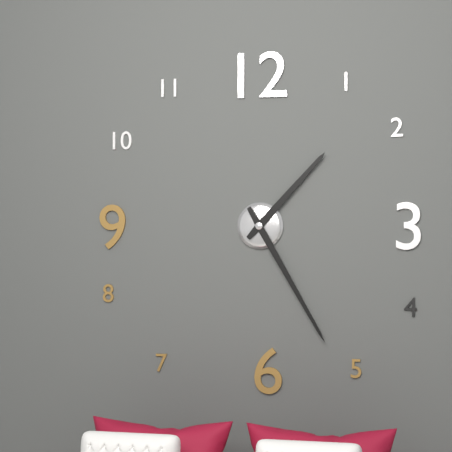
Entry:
1.25
